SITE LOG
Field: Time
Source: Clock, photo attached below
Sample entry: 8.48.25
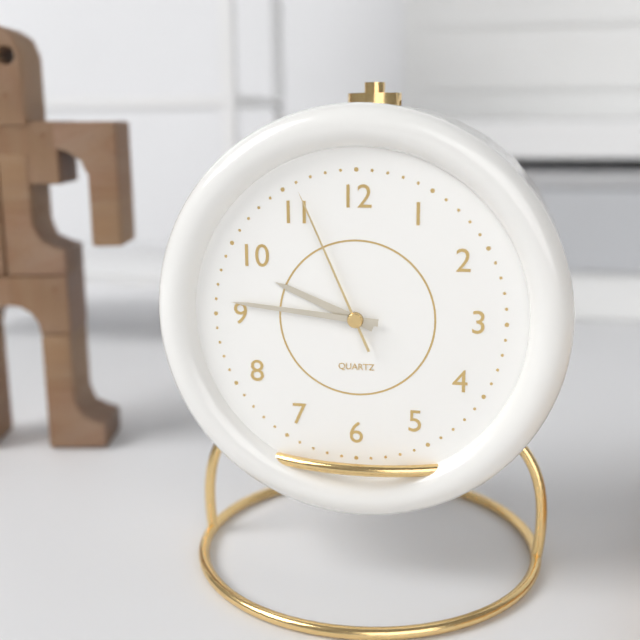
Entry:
9.46.56
